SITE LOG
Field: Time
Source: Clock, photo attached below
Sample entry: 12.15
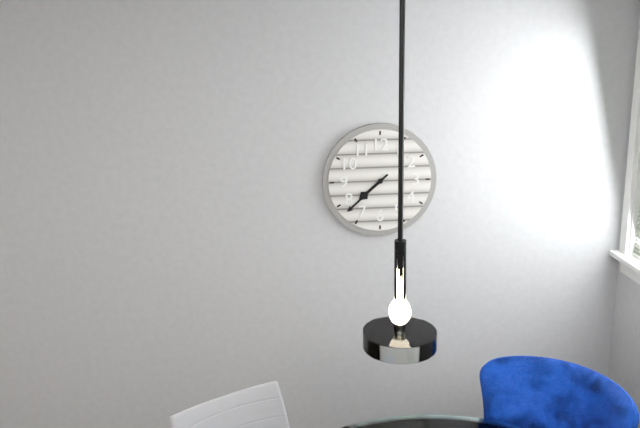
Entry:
7.38
